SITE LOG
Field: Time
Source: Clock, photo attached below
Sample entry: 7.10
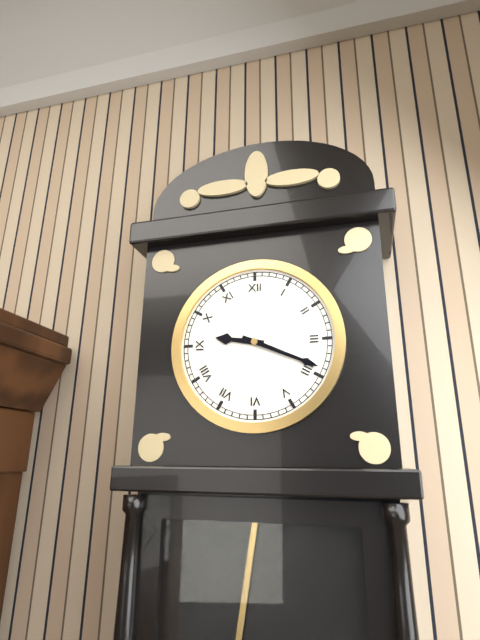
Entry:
9.19
